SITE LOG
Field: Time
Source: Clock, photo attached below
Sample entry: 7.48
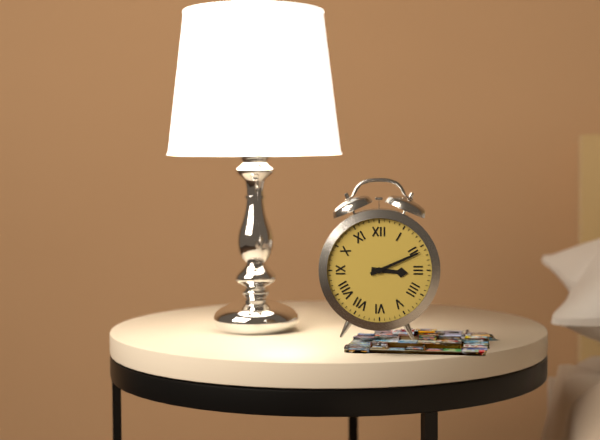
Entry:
3.11
